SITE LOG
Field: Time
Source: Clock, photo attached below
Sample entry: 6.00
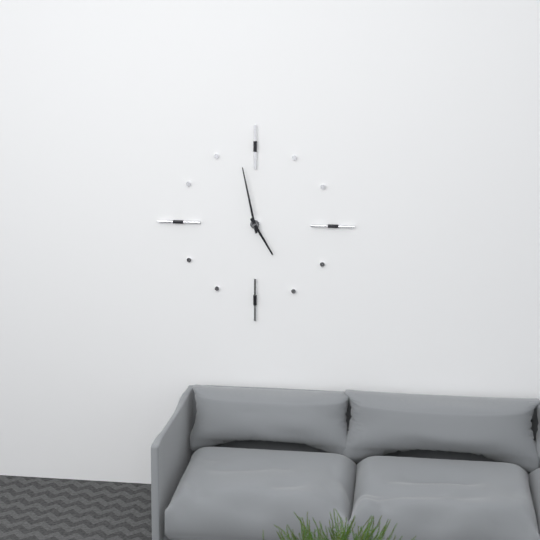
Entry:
4.58
